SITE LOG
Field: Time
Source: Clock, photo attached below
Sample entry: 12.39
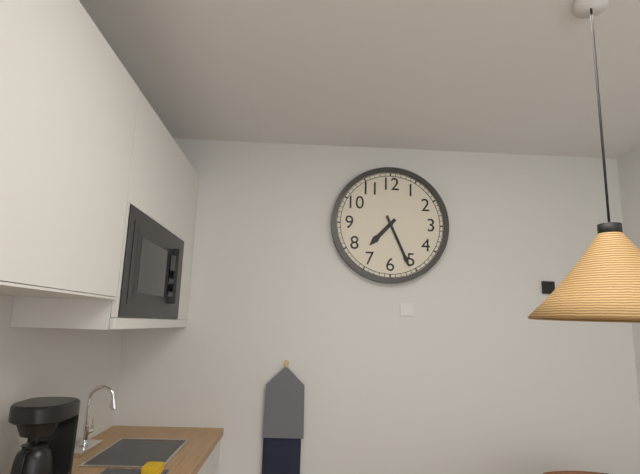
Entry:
7.26
